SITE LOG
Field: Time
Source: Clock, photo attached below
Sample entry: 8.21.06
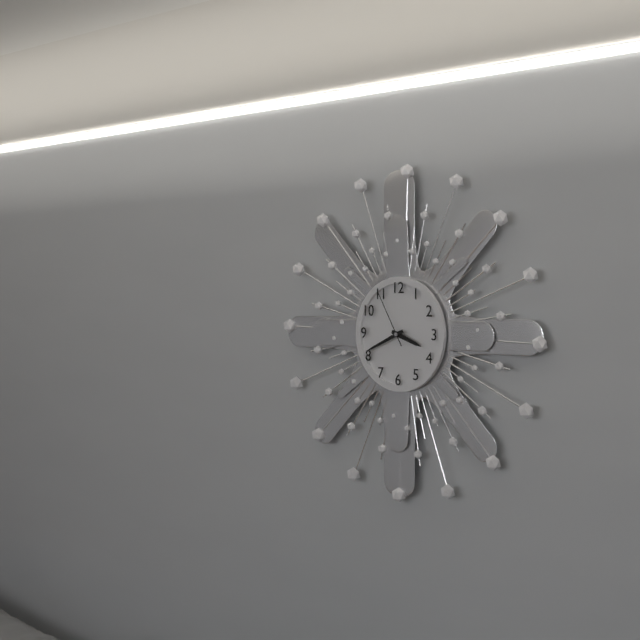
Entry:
3.41.55
